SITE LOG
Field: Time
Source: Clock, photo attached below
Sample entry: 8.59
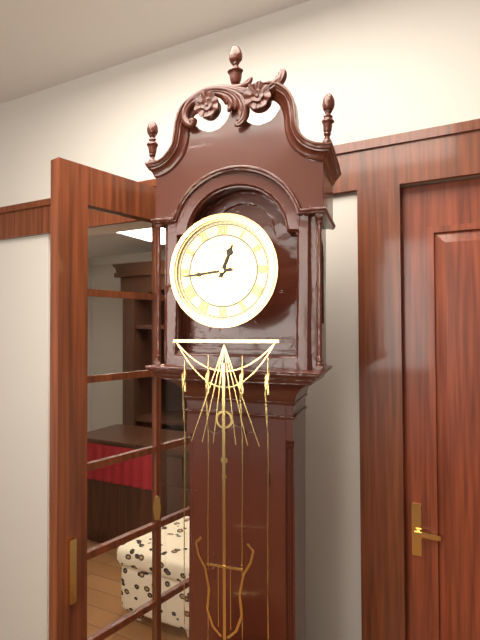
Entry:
12.44
